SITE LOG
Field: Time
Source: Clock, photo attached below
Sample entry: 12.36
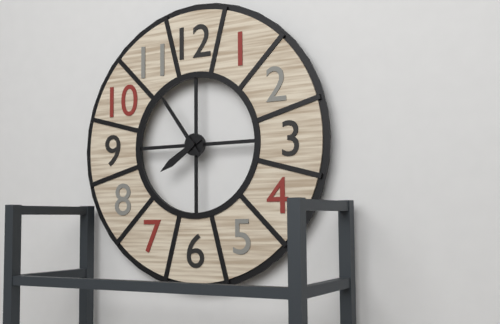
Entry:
7.54
